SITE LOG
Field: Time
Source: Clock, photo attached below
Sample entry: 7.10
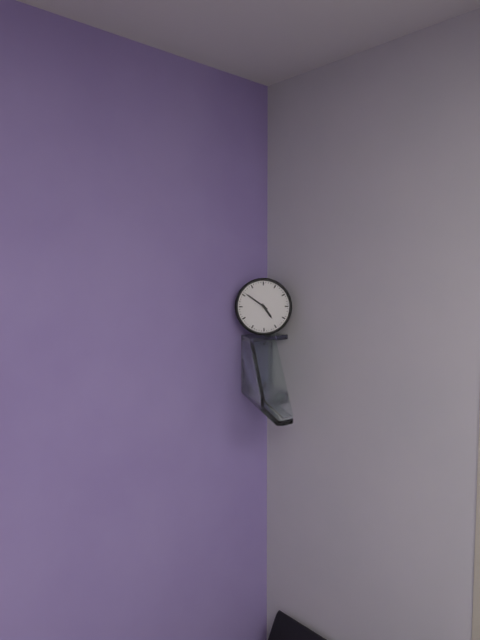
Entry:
4.51
